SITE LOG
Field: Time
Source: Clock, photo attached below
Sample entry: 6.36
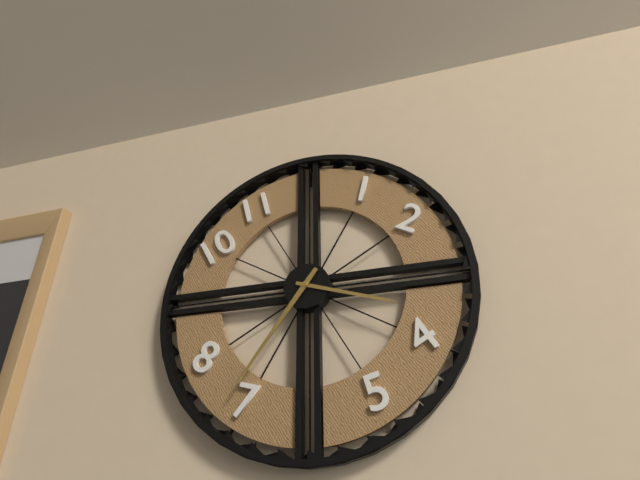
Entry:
3.36
